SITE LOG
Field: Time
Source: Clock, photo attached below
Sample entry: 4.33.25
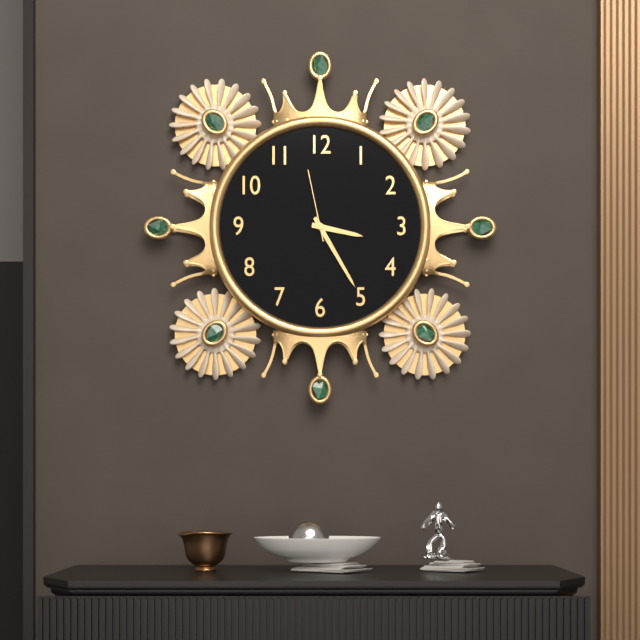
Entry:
3.25.58
